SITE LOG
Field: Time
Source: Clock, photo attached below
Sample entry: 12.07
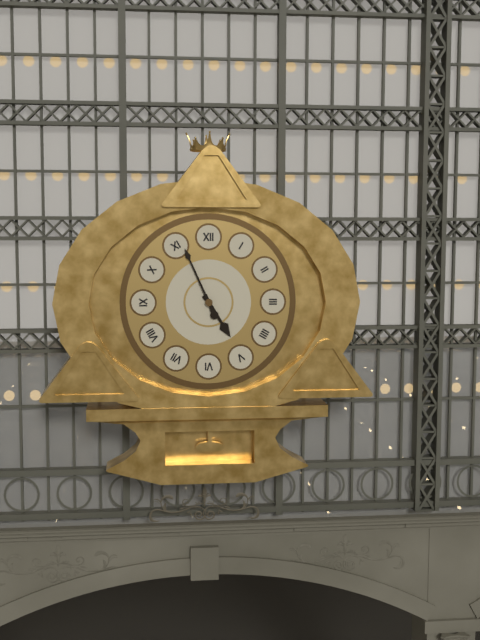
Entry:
4.56
